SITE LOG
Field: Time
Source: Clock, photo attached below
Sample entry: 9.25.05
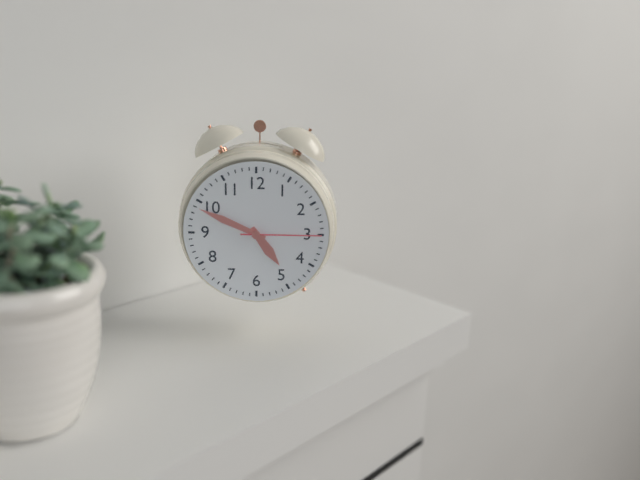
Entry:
4.49.15
